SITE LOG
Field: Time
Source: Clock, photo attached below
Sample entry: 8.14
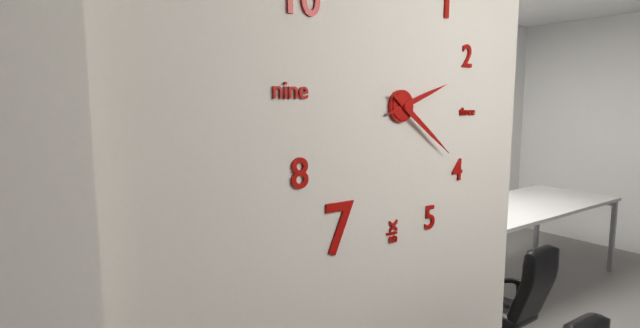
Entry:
2.21
